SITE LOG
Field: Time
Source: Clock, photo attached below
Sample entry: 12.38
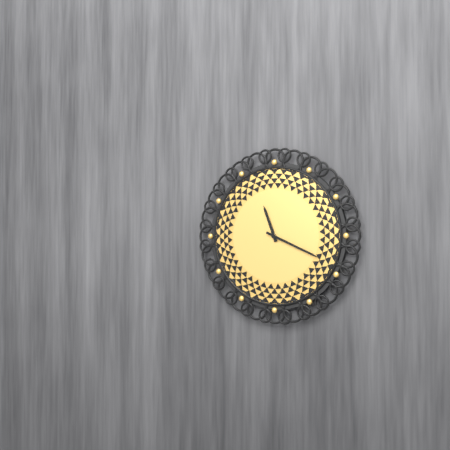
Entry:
11.19
